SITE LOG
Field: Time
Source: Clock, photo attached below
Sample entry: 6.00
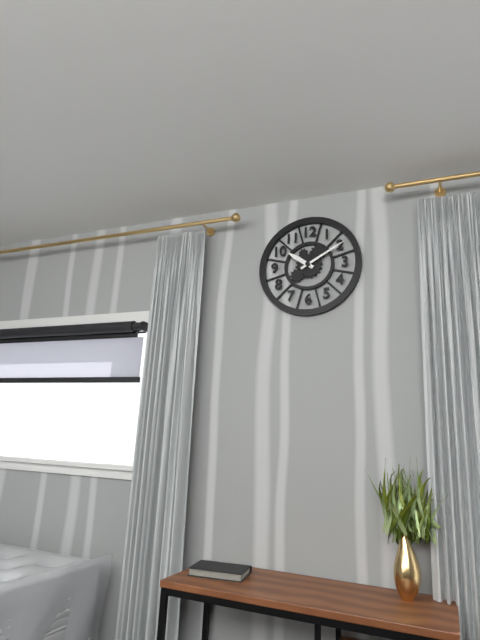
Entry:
10.10
